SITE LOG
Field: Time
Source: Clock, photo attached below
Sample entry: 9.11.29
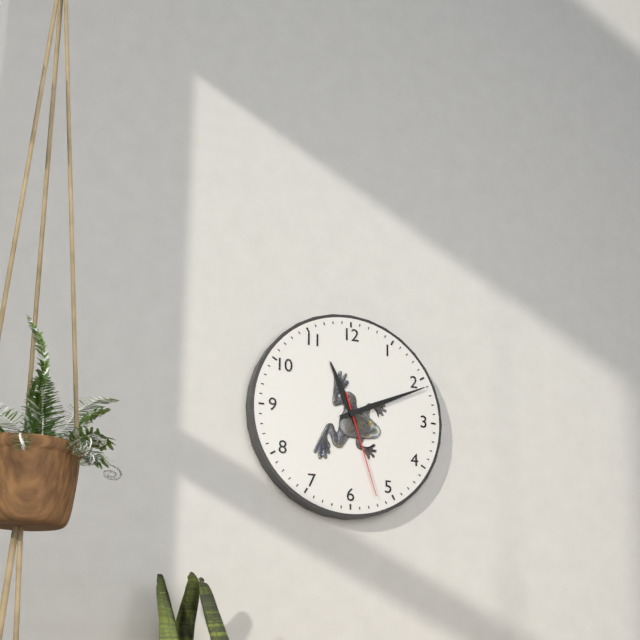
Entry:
11.11.27
